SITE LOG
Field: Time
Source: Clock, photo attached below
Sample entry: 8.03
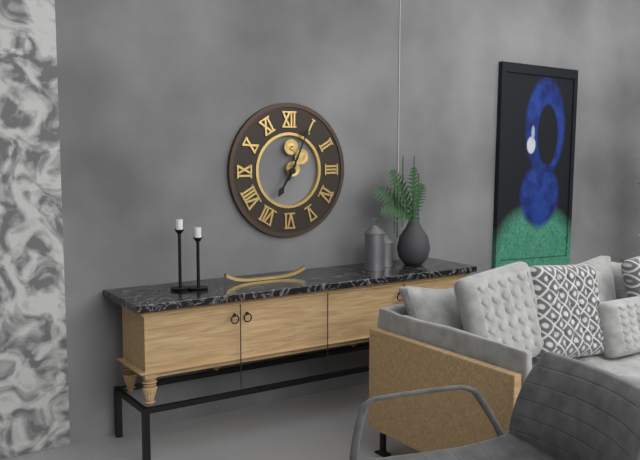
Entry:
7.04
